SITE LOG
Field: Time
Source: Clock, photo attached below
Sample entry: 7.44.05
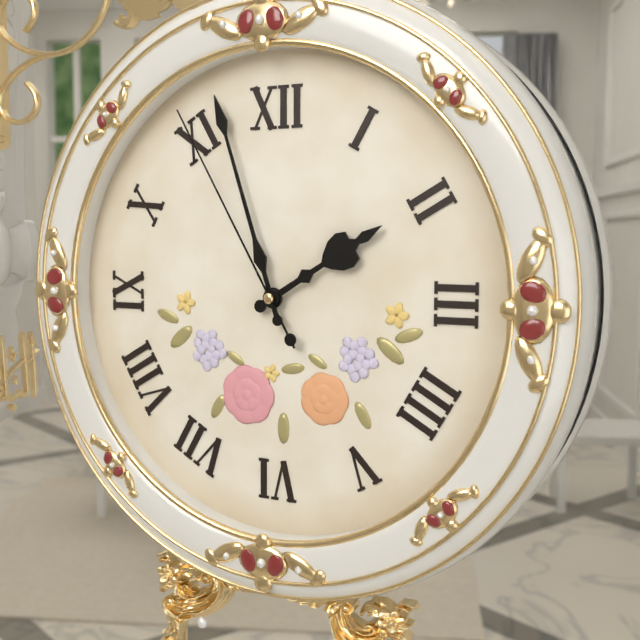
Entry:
1.57.55
